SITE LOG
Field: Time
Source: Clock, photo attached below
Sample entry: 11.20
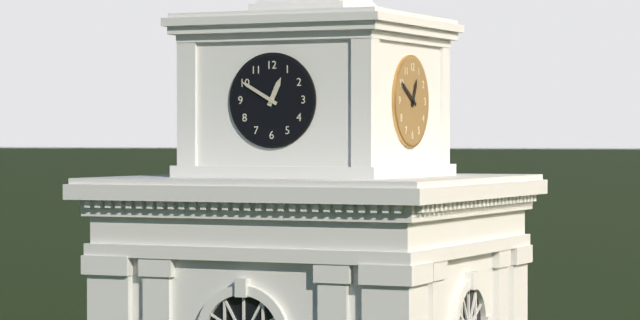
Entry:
12.50
